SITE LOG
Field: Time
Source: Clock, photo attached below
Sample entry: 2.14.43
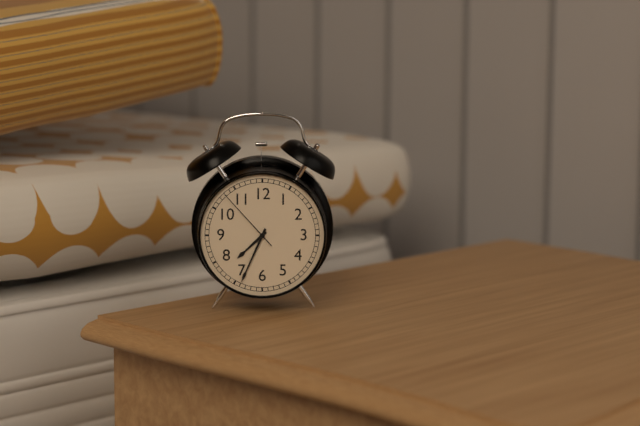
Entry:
7.34.53
